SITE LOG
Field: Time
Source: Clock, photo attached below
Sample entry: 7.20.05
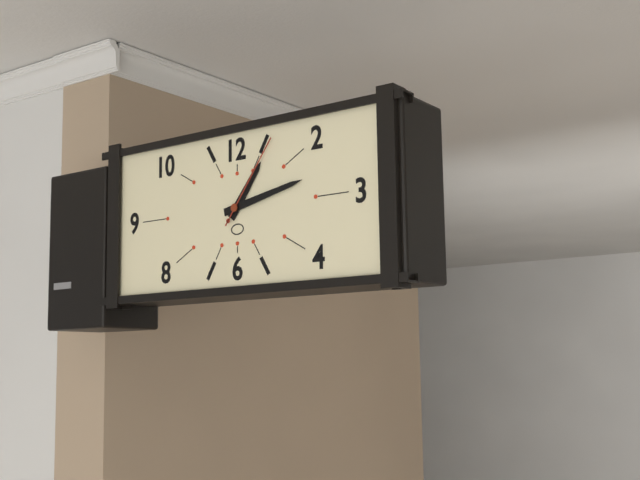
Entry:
1.13.06
